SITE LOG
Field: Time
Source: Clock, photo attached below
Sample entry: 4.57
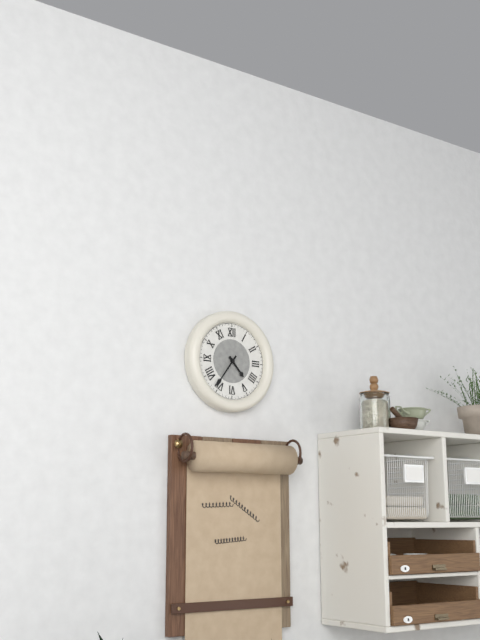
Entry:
4.36
